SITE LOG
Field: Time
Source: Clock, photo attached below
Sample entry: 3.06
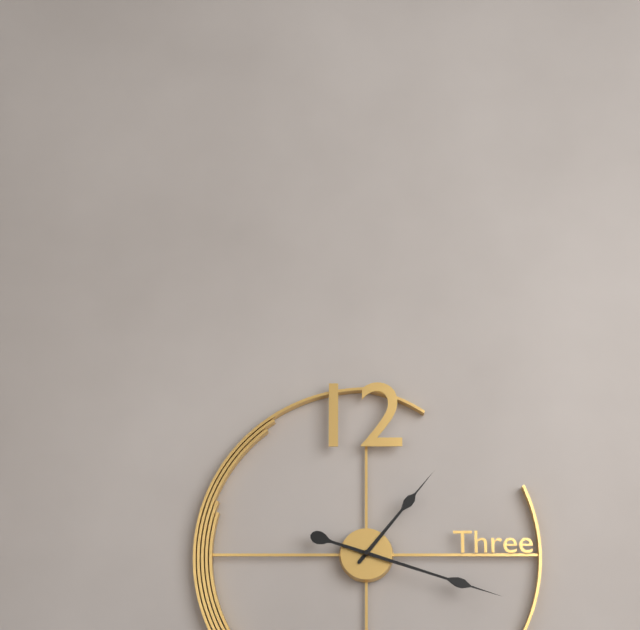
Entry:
1.18
